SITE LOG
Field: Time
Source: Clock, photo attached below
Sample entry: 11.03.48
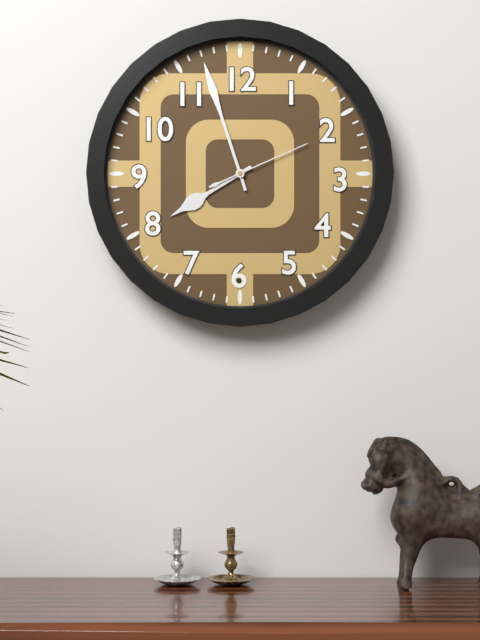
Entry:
7.57.11
